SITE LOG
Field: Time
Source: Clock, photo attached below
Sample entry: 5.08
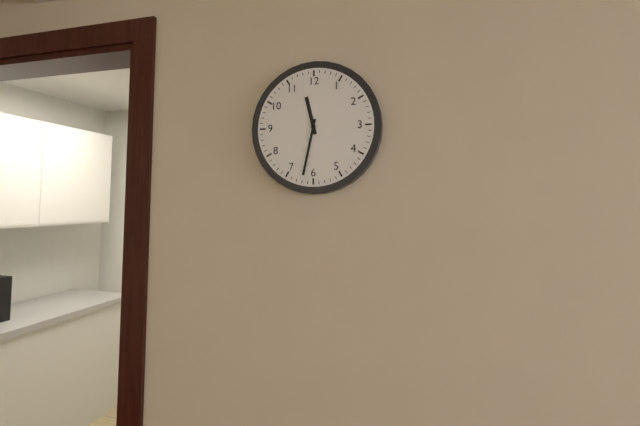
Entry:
11.32
